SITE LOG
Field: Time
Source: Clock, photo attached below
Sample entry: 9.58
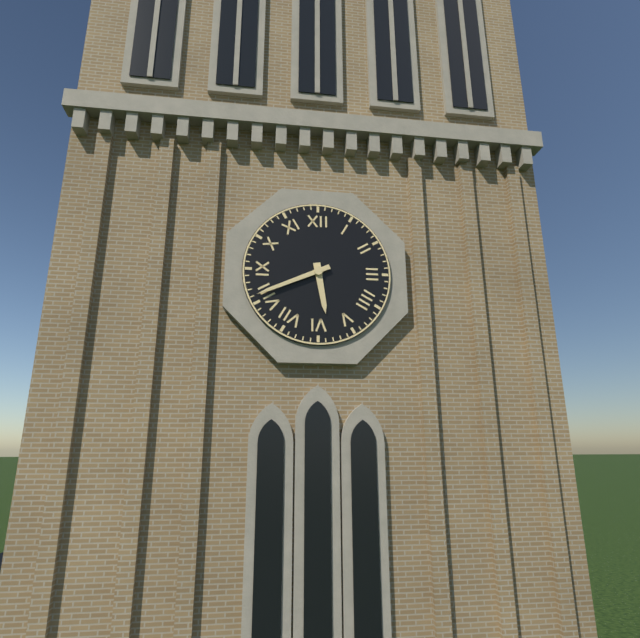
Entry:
5.41
